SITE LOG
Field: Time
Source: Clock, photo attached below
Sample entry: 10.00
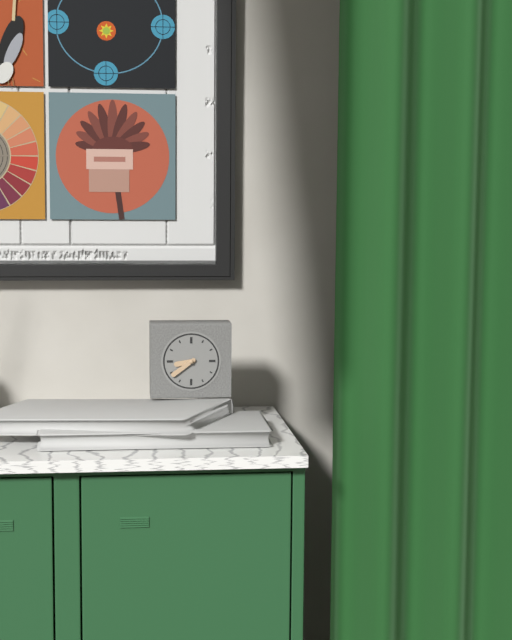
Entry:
8.39
